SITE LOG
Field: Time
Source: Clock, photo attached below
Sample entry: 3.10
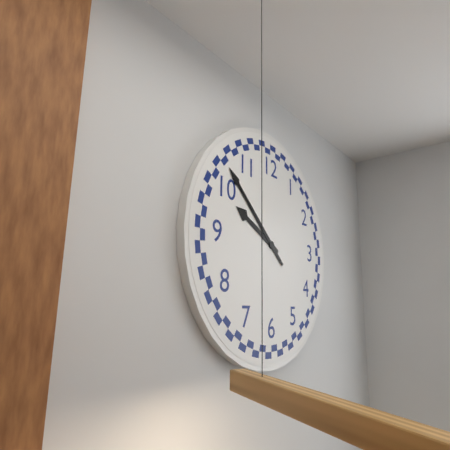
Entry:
9.52
